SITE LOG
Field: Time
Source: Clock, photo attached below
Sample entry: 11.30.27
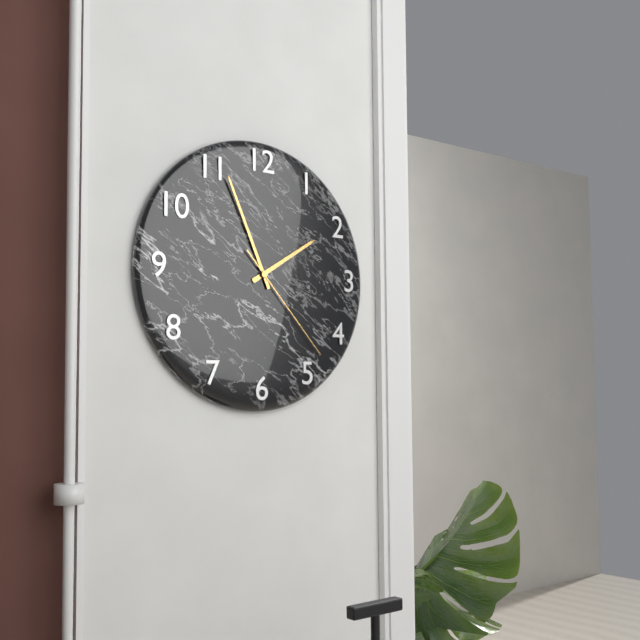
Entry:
1.56.23
